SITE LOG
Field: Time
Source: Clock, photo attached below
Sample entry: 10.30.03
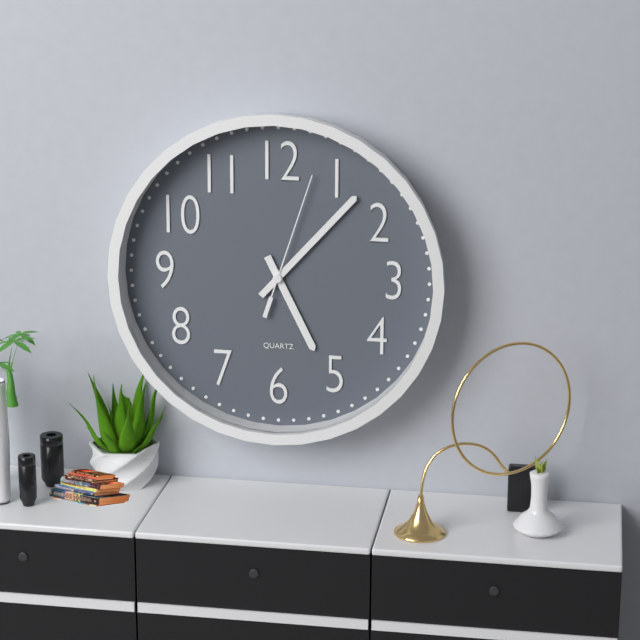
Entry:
5.07.03
